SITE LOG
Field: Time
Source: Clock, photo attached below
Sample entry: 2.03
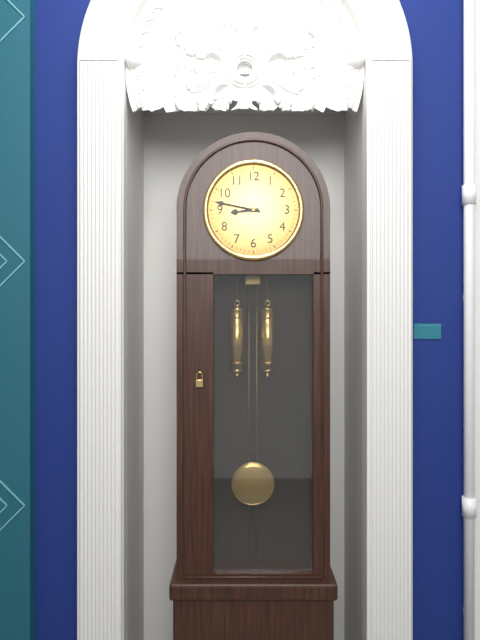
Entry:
8.47
